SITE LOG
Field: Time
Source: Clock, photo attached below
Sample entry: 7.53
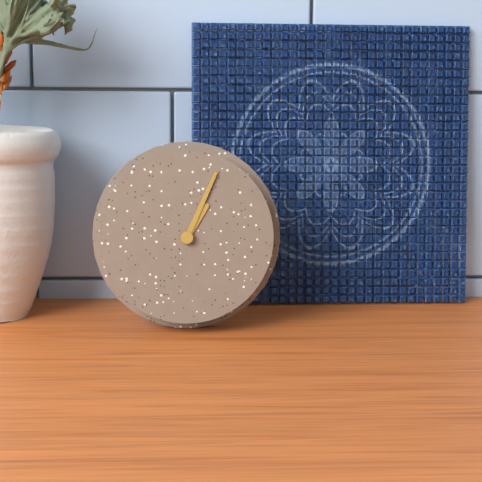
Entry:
1.04
